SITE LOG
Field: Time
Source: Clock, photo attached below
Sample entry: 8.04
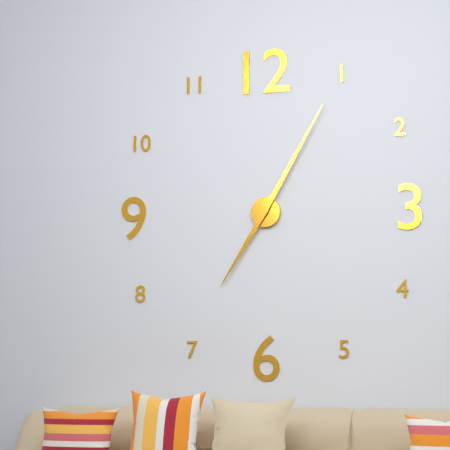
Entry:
7.05
